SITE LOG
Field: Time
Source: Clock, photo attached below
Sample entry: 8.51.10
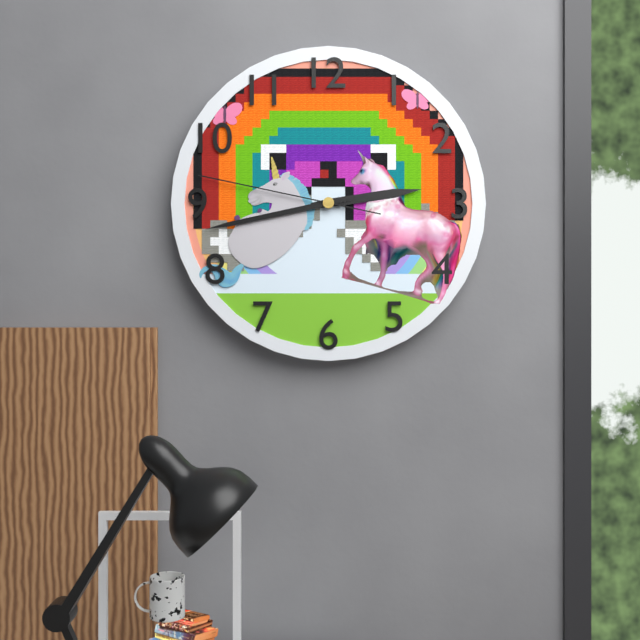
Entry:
2.43.47
